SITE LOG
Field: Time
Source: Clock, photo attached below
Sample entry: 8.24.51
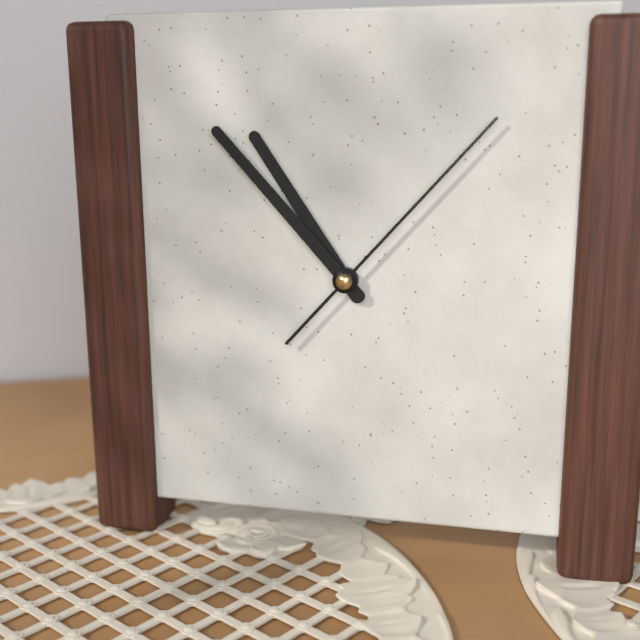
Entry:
10.53.07
